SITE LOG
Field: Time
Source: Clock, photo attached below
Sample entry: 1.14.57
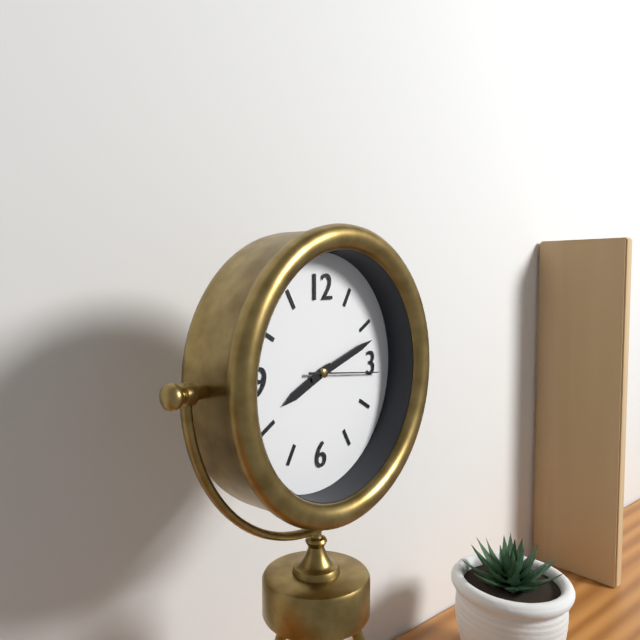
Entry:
8.12.16
